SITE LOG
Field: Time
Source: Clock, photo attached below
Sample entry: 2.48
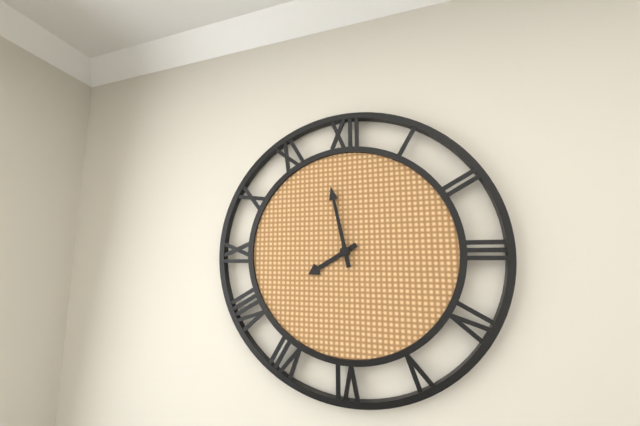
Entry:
7.58
